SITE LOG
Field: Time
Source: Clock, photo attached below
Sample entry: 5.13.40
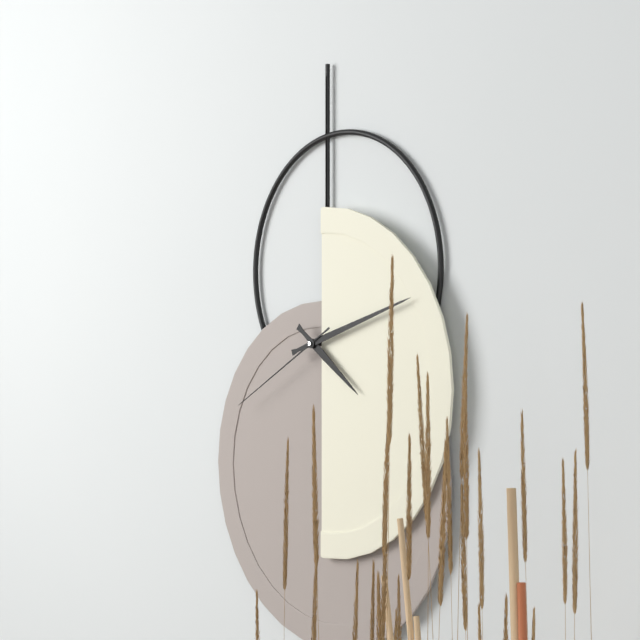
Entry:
4.12.40
